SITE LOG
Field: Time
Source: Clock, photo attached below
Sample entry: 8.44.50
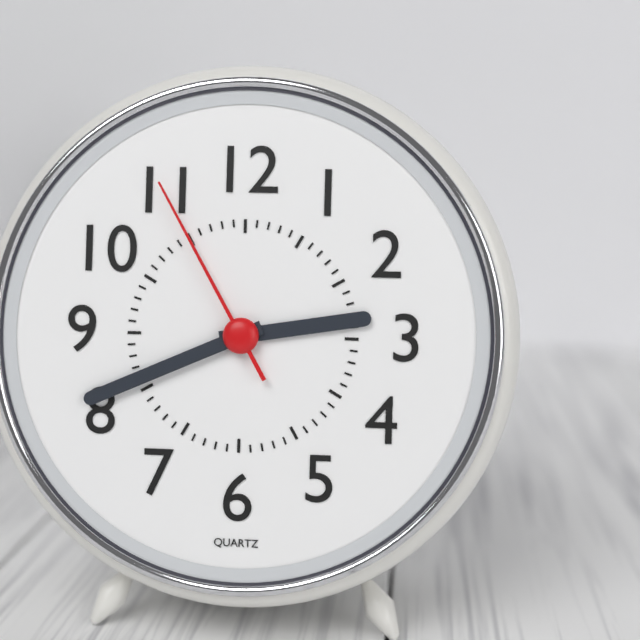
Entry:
2.41.55
